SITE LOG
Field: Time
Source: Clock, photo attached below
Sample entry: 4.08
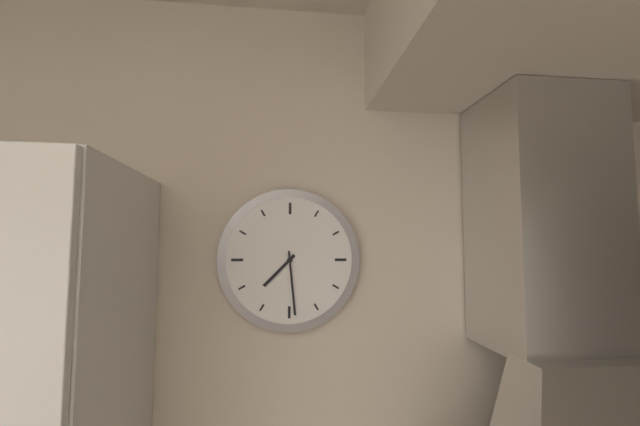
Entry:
7.29
